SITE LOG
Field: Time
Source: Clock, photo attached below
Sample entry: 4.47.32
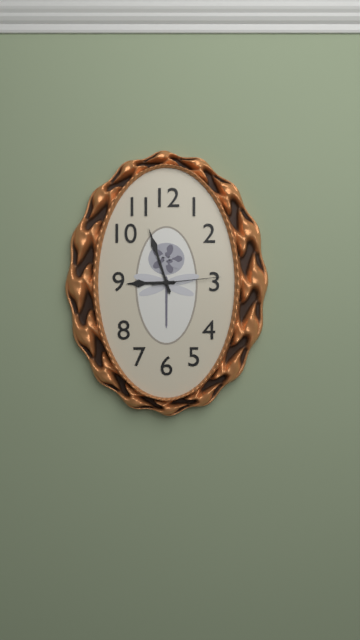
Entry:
8.57.14
